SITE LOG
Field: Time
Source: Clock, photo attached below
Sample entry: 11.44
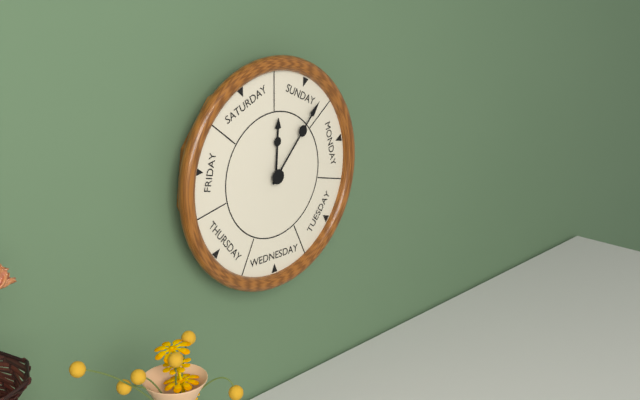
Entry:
12.07
